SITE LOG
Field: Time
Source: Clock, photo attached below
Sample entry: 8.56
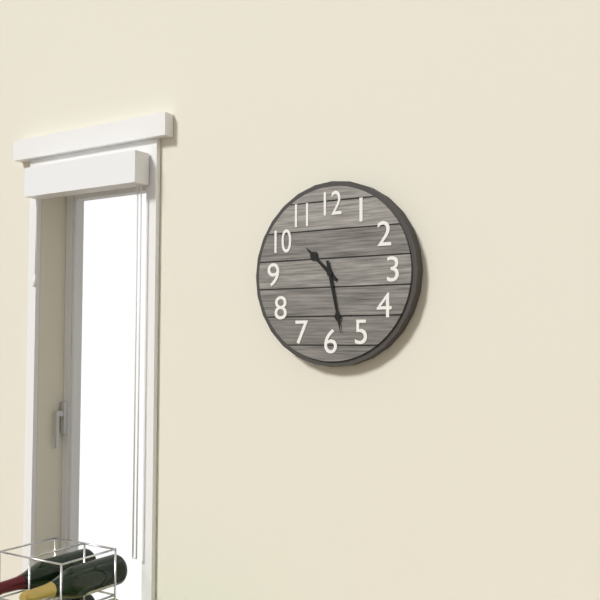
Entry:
10.28
